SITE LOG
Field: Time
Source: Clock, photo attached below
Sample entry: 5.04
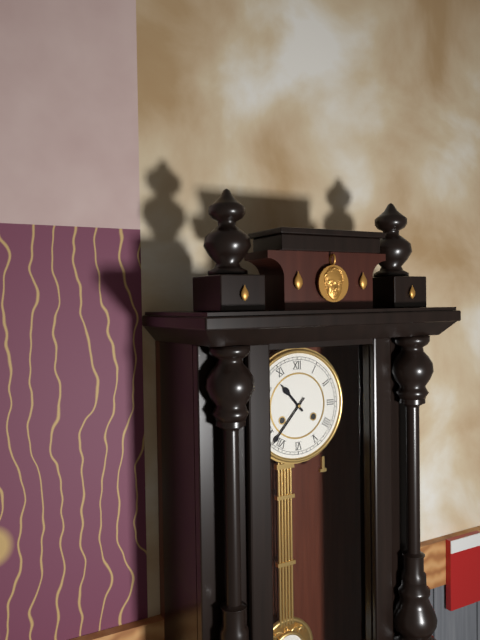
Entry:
10.37
